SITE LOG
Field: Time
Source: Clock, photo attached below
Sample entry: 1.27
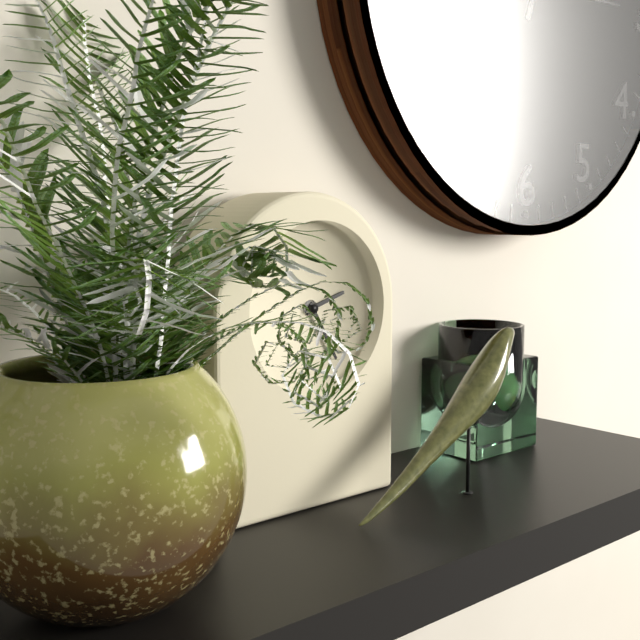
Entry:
2.25
